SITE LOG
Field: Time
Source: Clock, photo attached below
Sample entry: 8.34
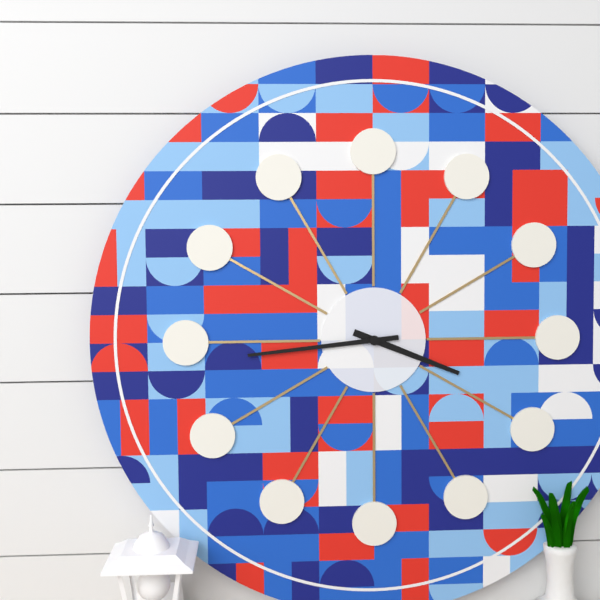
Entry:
3.44
